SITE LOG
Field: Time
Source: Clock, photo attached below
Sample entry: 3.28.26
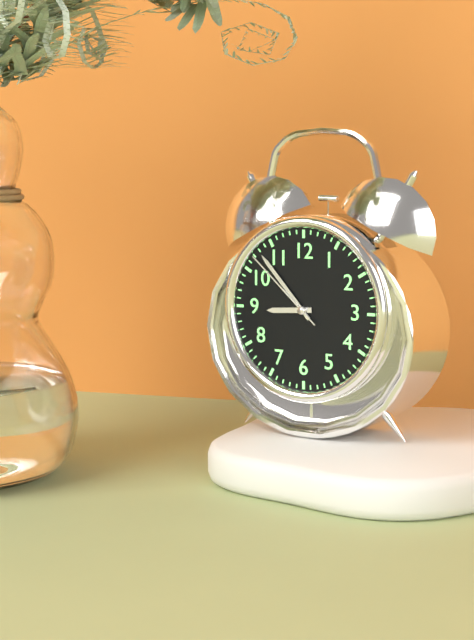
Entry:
8.53.52
